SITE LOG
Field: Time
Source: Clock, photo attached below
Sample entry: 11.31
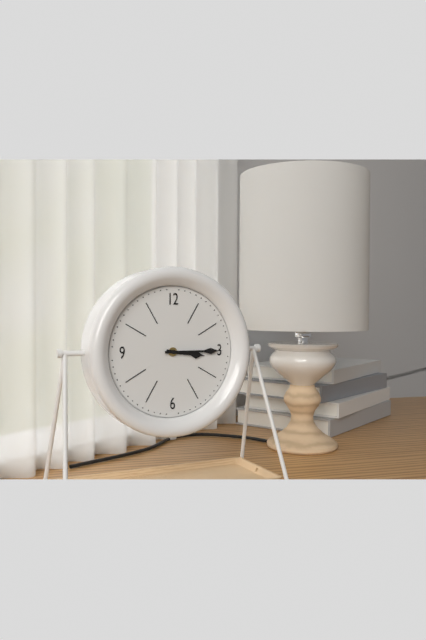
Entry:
3.15
